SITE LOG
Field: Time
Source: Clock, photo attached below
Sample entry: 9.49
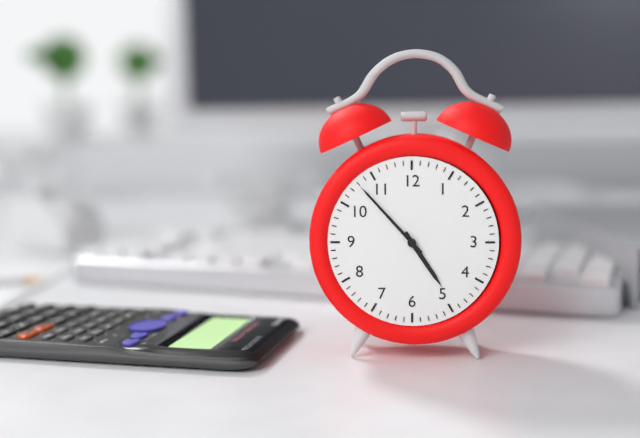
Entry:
4.53
